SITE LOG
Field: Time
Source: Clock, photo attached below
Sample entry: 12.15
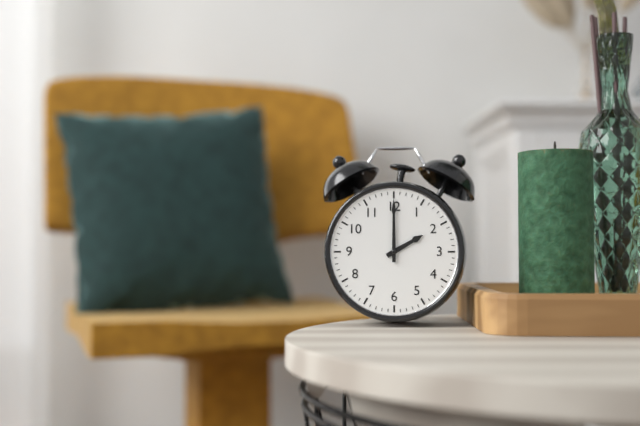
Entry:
2.00
